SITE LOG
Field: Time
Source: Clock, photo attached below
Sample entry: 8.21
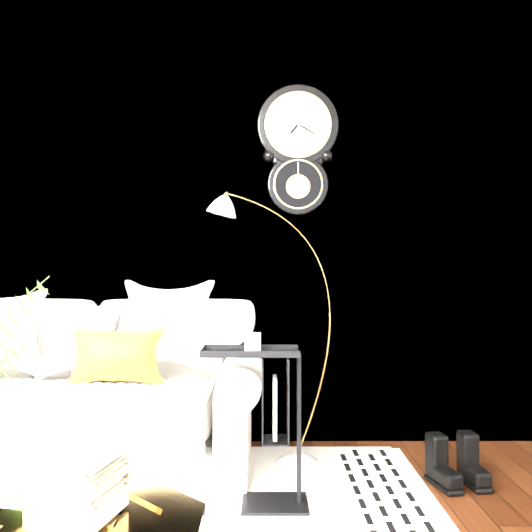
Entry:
7.20
